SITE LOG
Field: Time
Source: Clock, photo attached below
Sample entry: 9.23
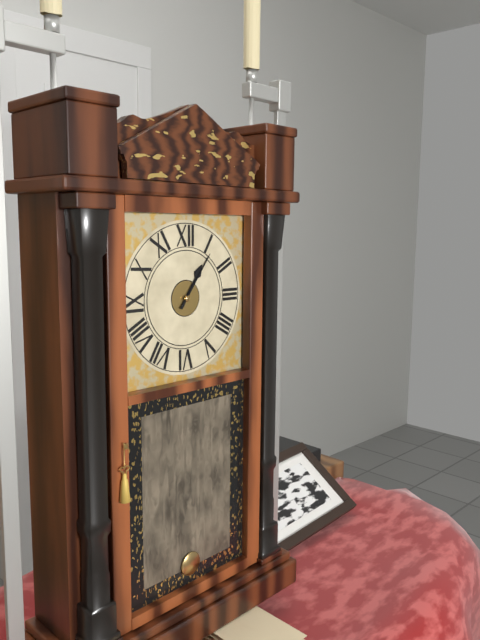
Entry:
1.06
